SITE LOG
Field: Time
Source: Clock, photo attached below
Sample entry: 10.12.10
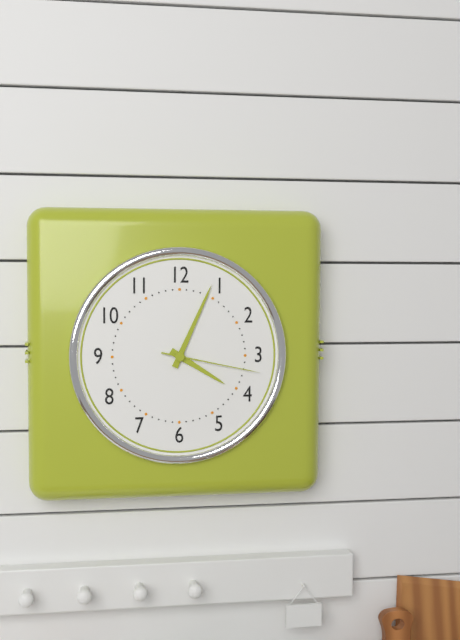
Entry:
4.04.17
